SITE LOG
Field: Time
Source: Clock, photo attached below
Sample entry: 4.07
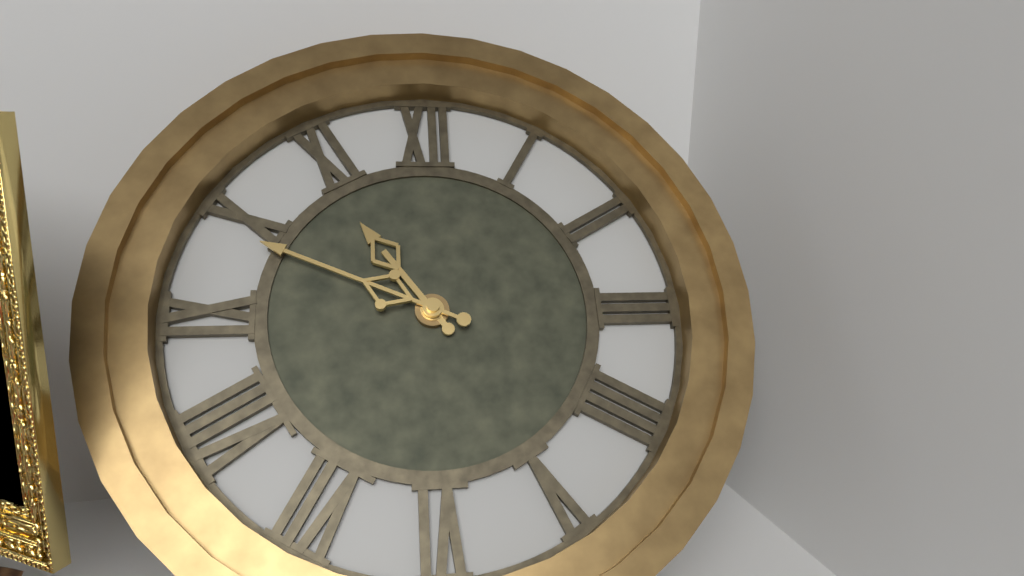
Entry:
10.49
